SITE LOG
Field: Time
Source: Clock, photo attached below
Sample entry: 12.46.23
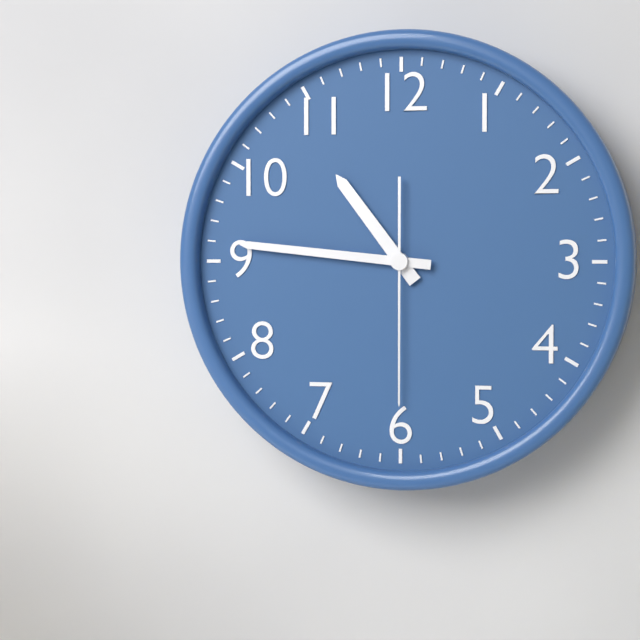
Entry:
10.46.30
